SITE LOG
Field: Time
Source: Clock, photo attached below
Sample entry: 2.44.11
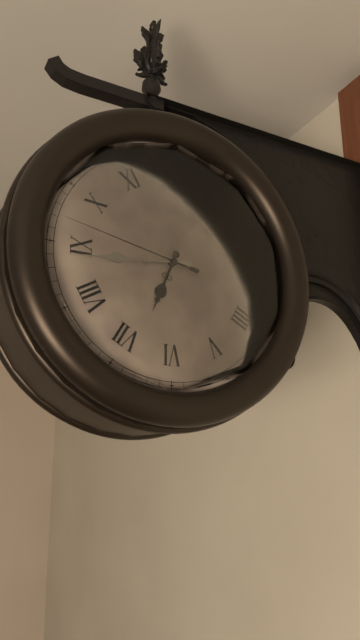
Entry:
6.44.47
